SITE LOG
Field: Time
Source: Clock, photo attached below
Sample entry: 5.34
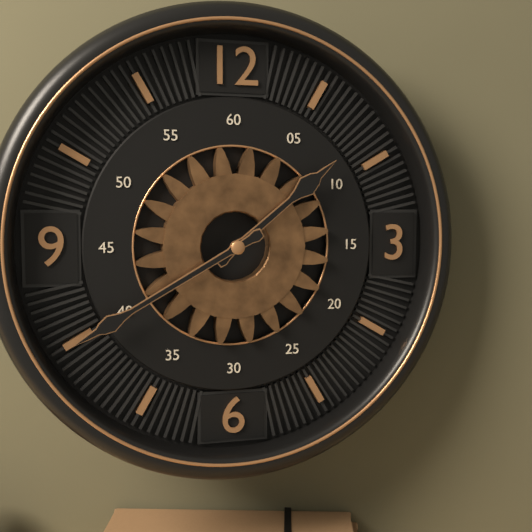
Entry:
1.40
